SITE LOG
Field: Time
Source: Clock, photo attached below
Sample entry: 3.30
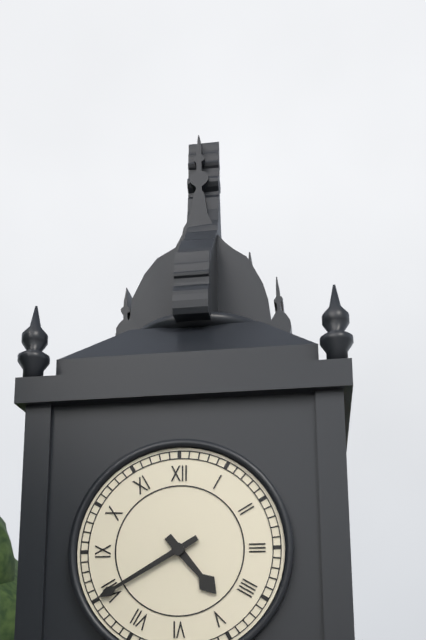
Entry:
4.40
